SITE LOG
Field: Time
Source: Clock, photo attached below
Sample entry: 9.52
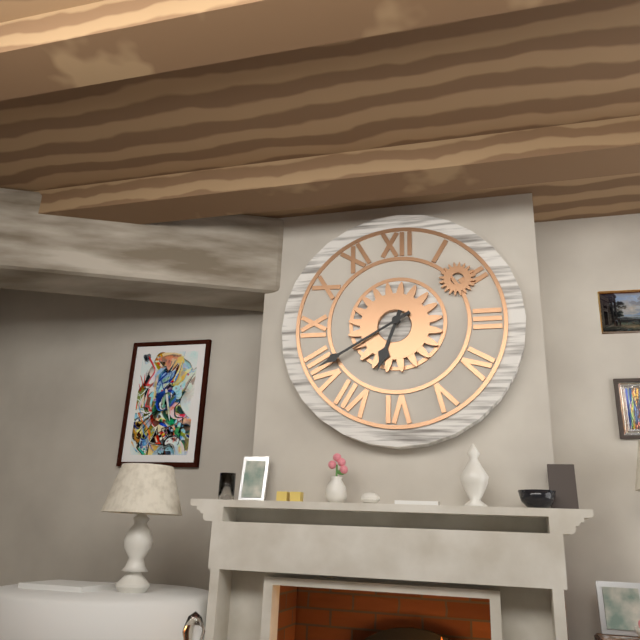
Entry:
6.40
